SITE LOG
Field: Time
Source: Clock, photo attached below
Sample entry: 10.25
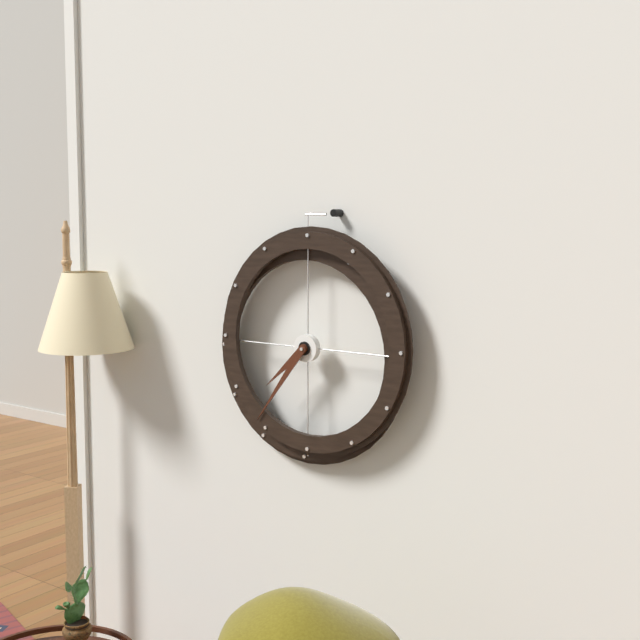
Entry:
7.36
